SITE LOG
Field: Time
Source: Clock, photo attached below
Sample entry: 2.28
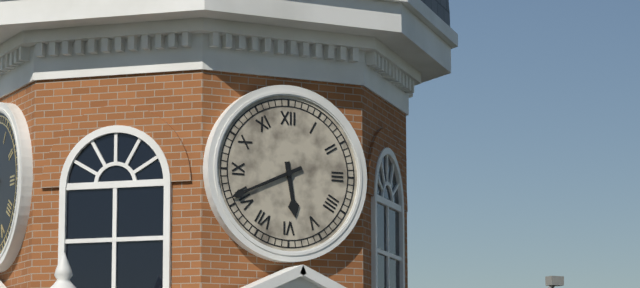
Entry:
5.41
